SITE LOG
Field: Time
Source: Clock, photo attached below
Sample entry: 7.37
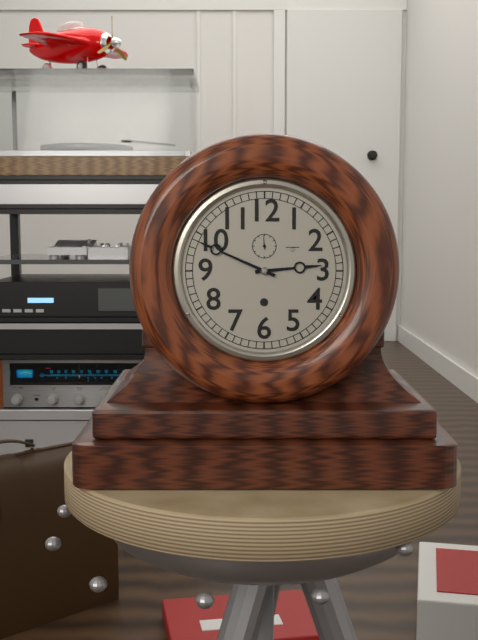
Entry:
2.49
